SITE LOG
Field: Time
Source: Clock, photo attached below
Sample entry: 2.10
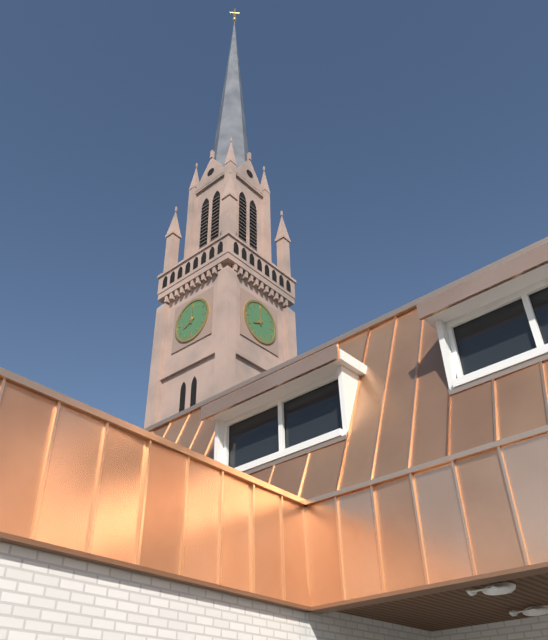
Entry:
8.00
